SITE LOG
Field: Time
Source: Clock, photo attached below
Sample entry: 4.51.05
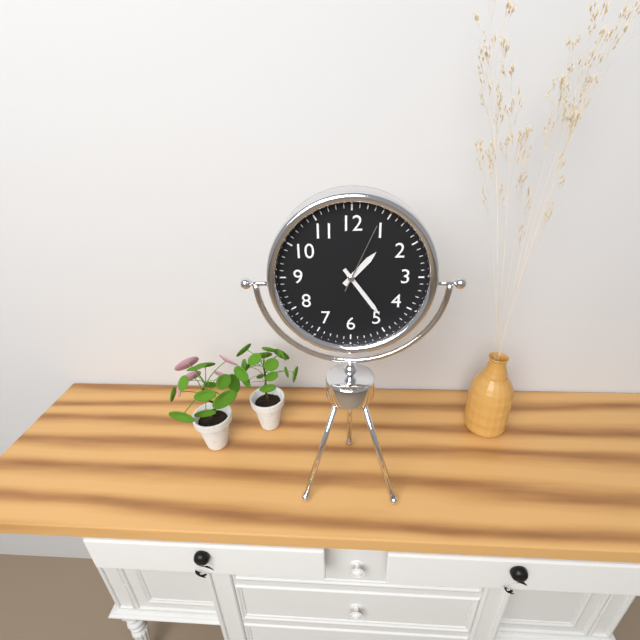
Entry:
1.24.04
